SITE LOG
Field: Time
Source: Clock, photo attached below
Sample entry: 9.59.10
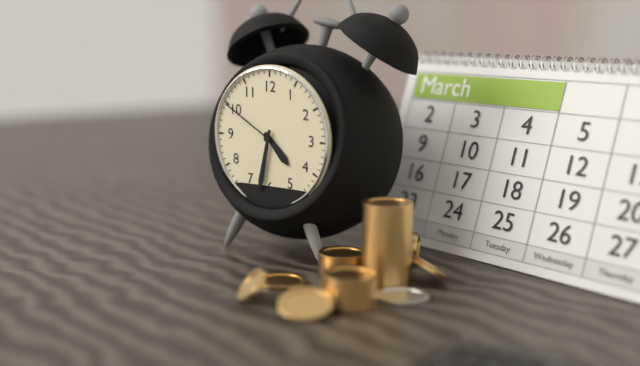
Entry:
4.32.50
